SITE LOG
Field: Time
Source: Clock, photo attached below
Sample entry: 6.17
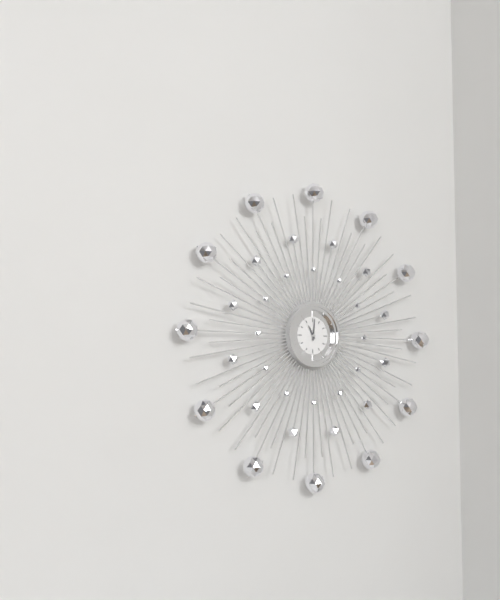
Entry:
11.01
